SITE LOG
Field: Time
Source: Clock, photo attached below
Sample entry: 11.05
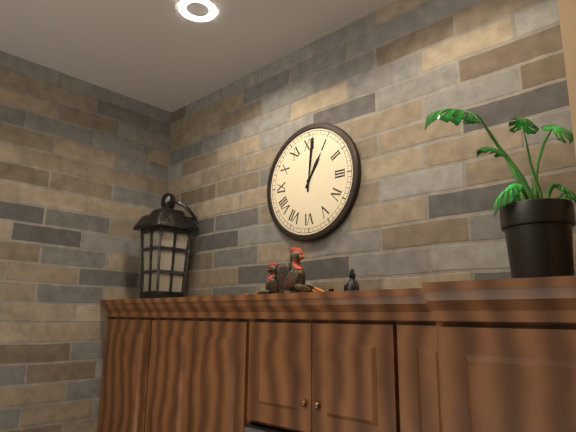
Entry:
1.01
